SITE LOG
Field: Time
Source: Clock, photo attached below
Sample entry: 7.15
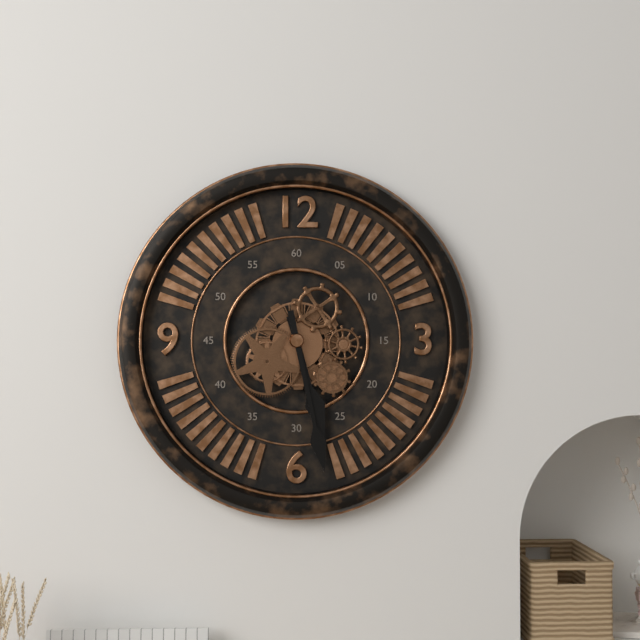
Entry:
5.28
